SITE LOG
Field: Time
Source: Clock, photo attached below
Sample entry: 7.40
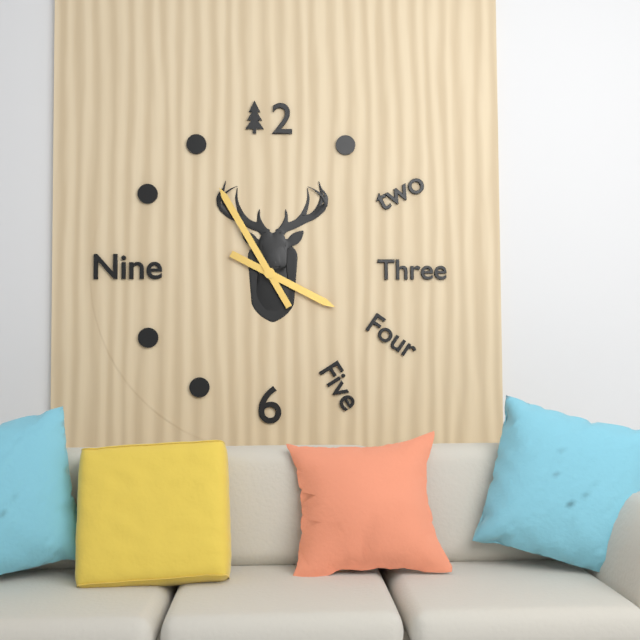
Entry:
3.55
